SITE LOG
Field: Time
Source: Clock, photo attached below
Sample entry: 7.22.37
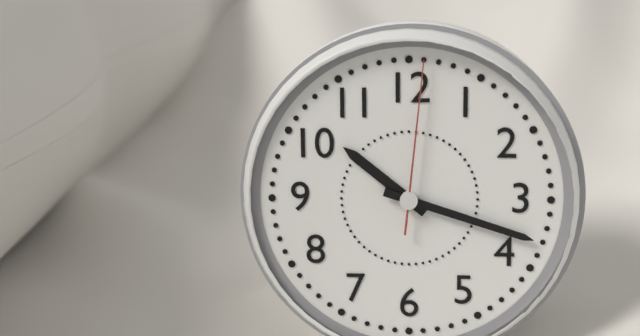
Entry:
10.18.01
